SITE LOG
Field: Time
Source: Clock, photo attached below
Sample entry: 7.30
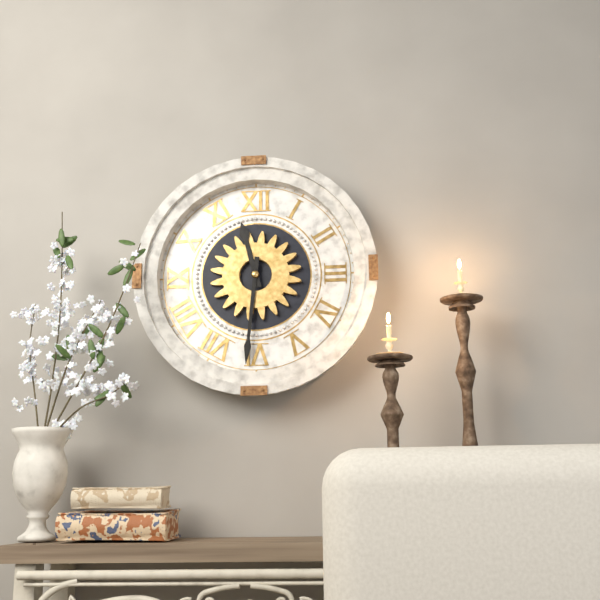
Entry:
11.31
